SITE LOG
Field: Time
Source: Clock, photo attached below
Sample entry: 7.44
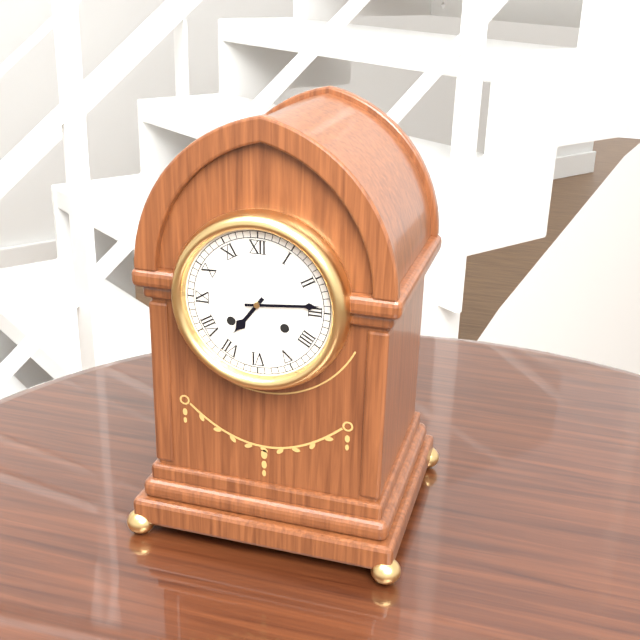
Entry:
7.14
